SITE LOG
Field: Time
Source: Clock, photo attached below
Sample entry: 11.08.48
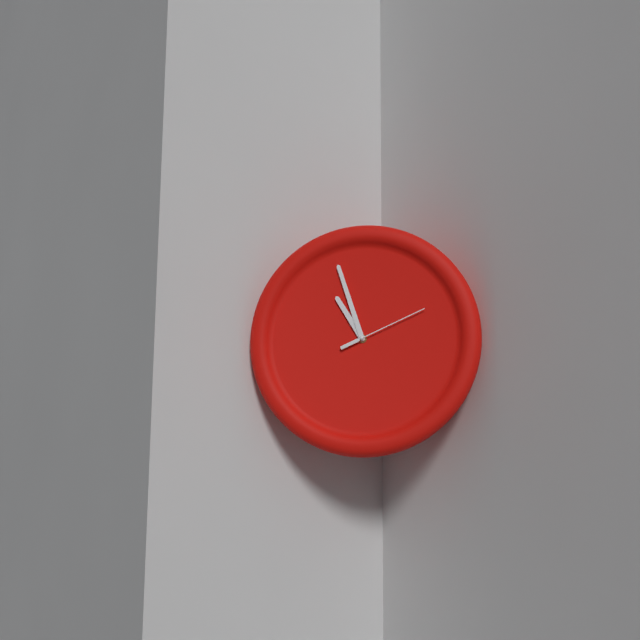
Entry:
10.57.11
